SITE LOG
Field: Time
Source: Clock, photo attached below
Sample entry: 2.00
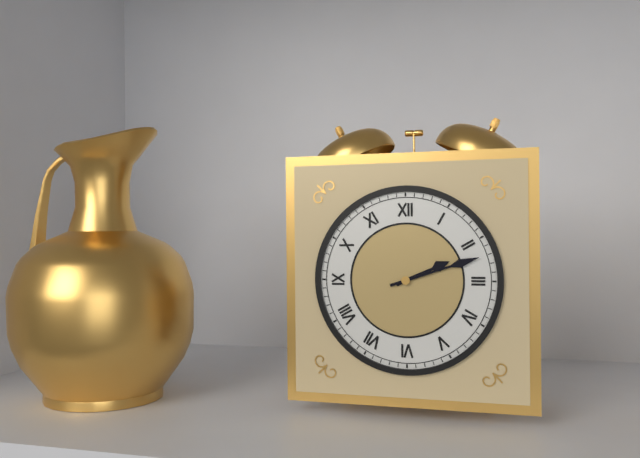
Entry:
2.12
